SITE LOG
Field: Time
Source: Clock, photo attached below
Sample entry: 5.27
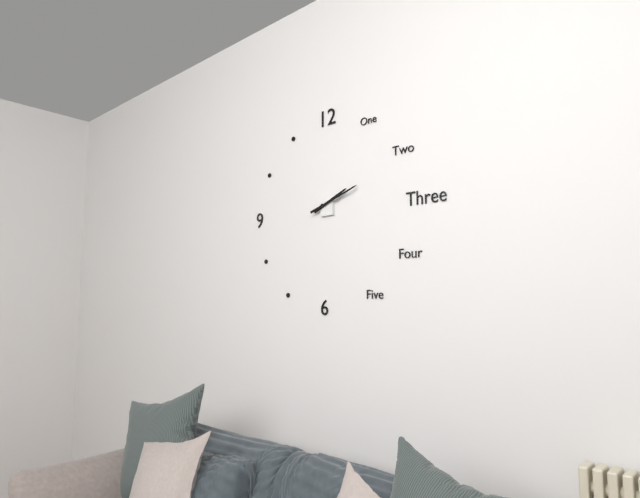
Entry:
2.12
